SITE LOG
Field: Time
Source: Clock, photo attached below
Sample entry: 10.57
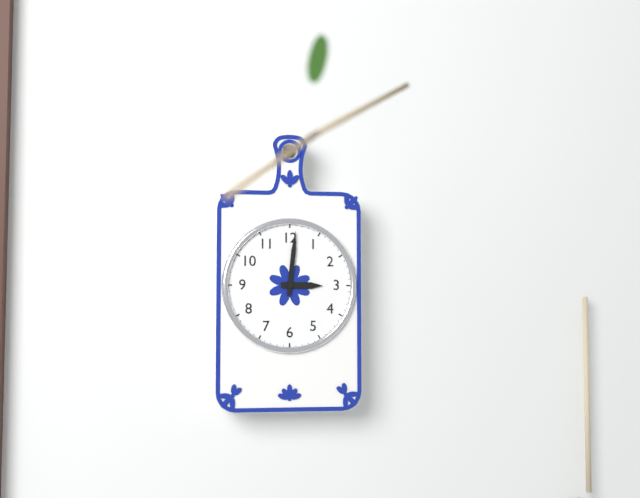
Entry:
3.01
